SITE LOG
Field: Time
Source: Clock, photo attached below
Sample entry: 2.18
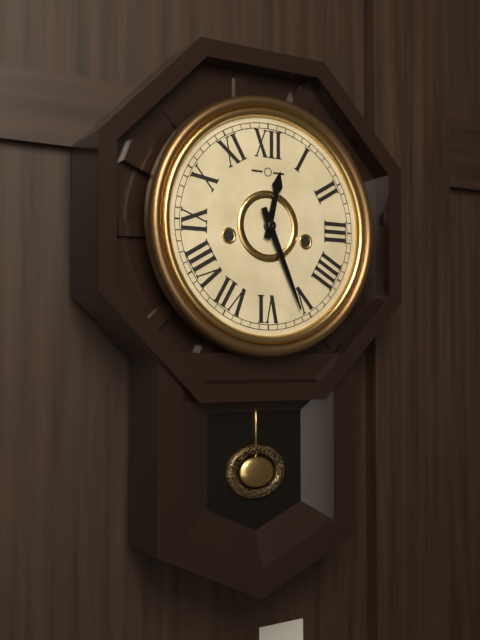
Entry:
12.26
